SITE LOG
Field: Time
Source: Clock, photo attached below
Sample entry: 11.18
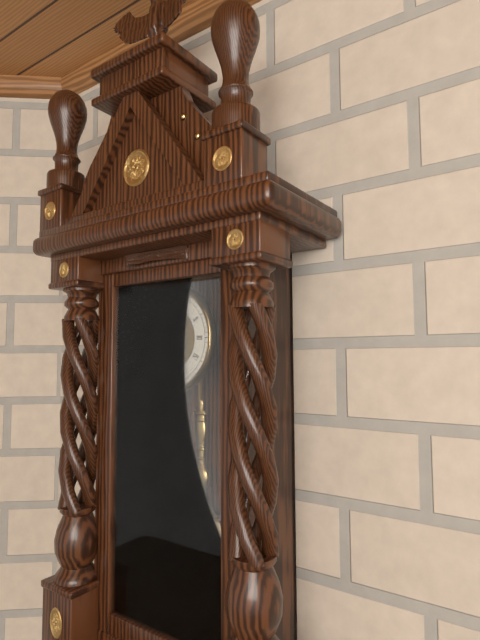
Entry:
8.29
